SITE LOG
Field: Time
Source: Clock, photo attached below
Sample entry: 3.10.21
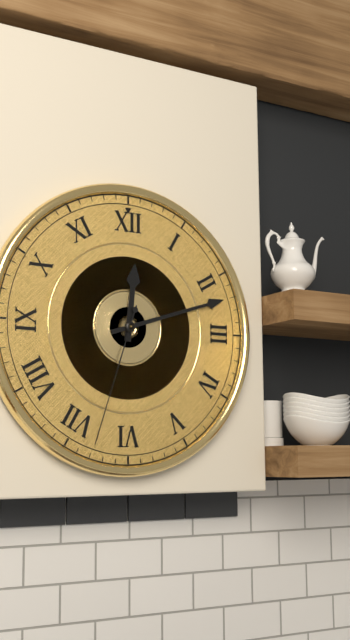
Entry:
12.12.33
